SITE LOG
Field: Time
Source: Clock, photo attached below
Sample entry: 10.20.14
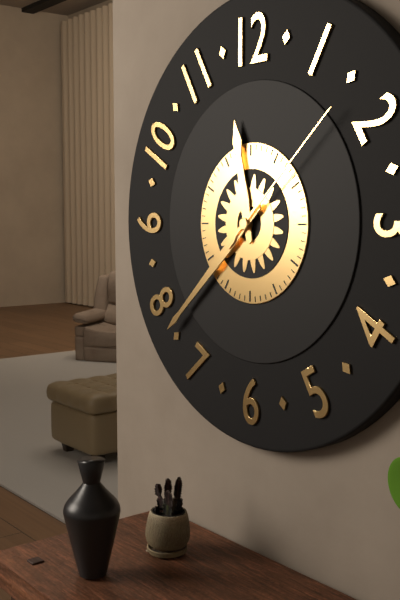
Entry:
11.38.08
